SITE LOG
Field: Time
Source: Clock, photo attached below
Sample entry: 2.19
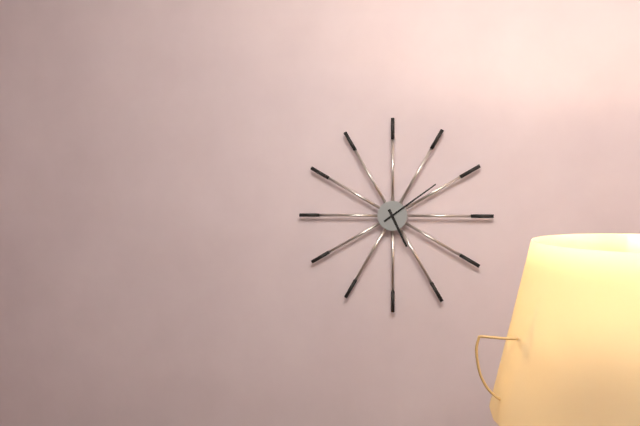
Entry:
5.09
